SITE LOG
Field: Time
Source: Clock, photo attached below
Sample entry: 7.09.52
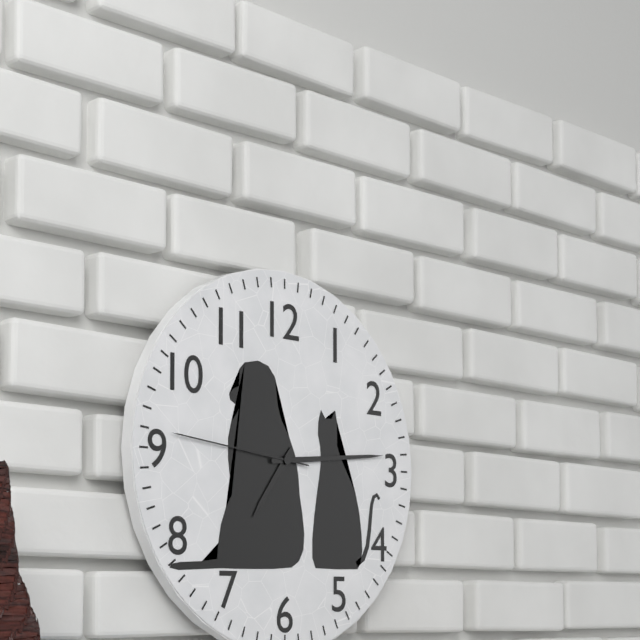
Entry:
7.14.46
